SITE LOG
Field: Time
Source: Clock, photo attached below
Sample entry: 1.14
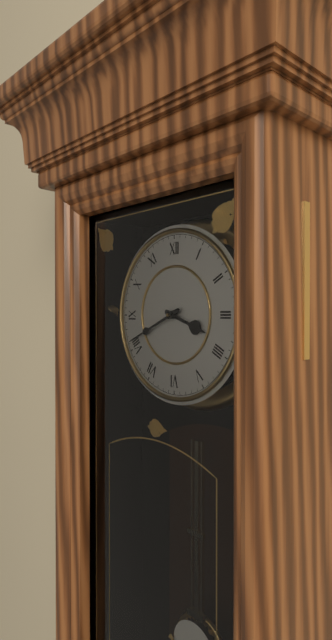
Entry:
3.41
